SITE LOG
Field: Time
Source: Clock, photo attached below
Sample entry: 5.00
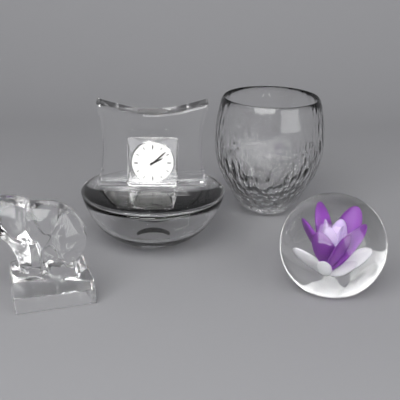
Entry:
2.08
